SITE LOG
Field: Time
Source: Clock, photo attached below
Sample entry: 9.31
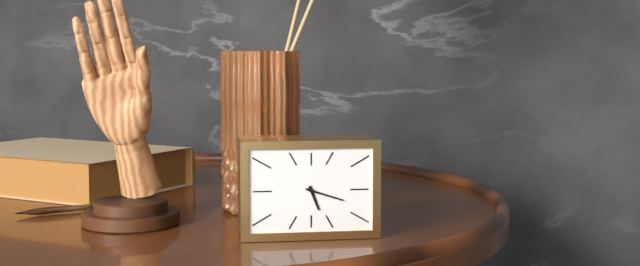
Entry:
5.18
